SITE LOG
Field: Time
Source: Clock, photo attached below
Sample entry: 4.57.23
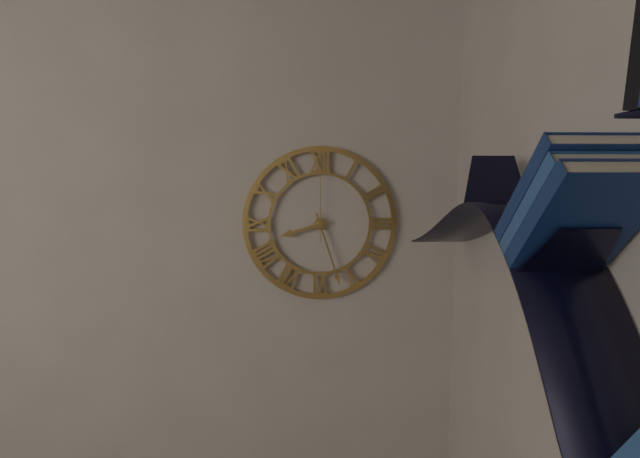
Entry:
8.27.00
